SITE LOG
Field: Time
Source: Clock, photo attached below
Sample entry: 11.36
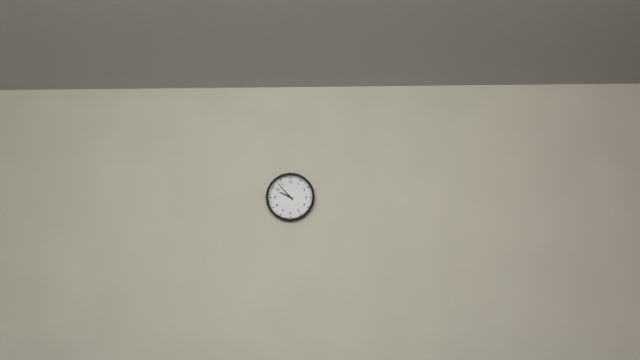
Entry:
9.53
